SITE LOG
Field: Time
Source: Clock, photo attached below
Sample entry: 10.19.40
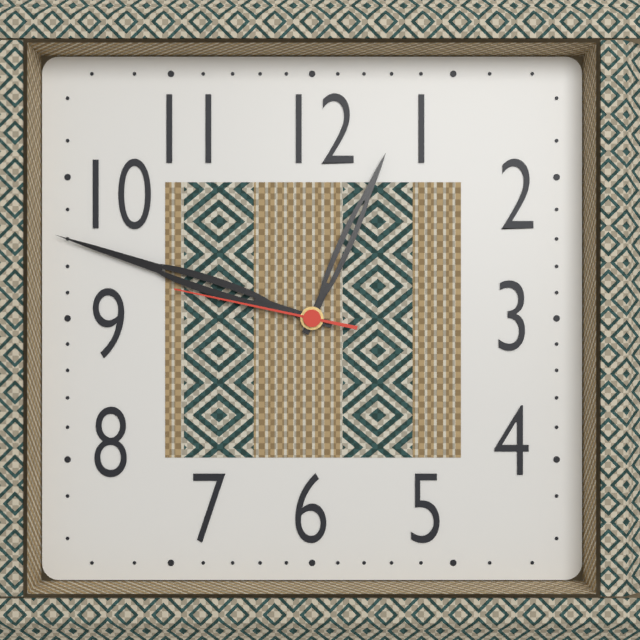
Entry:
12.48.47
